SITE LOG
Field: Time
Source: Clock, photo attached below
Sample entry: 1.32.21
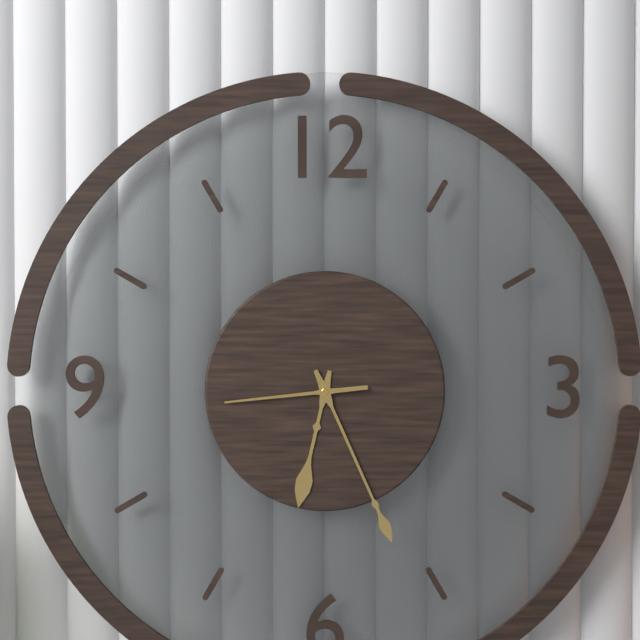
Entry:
6.26.44
